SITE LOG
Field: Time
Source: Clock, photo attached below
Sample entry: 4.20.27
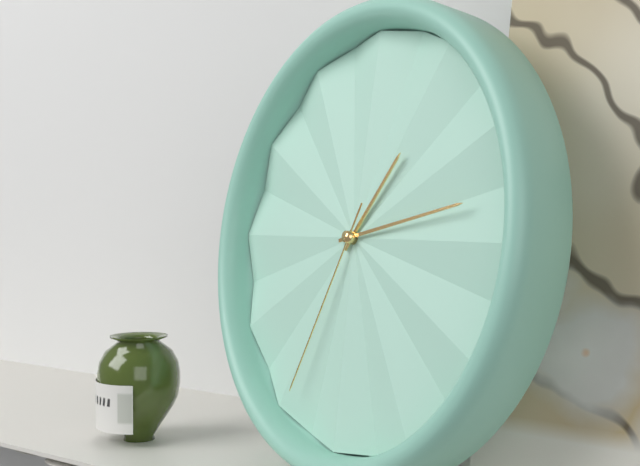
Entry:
1.13.34
